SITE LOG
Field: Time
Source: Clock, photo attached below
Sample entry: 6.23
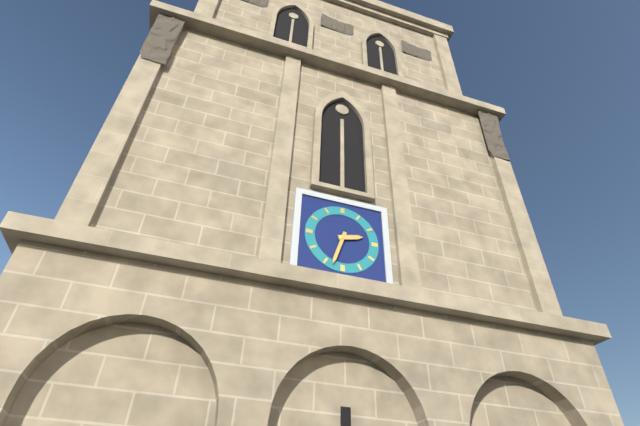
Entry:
2.33
